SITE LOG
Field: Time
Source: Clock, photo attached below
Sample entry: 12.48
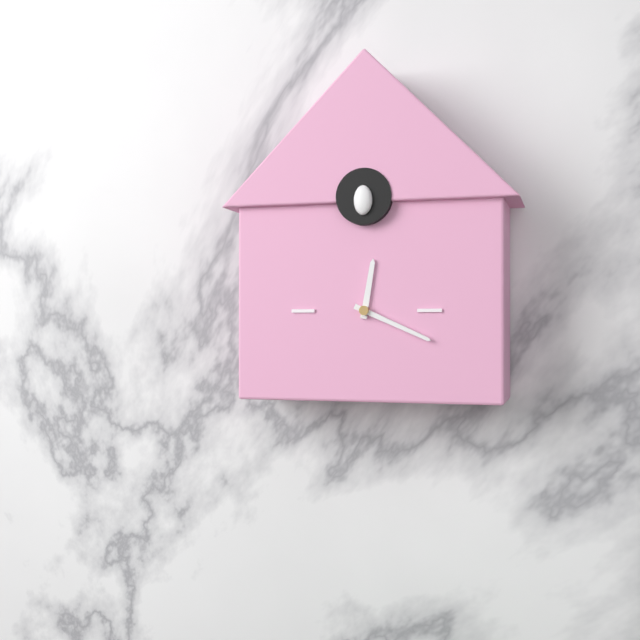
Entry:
12.19
